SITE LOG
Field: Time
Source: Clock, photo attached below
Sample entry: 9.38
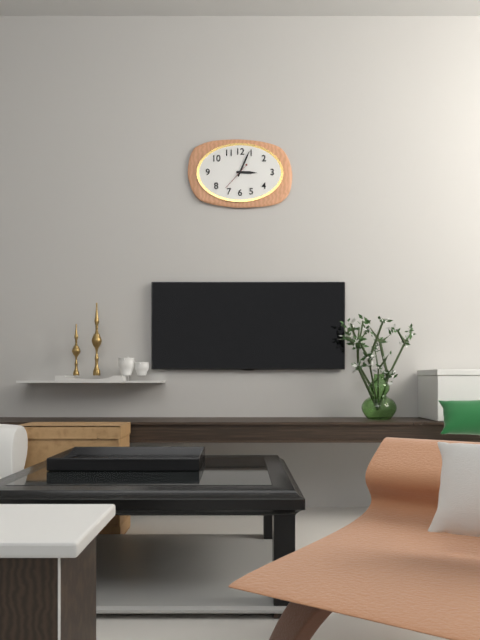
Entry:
3.04
